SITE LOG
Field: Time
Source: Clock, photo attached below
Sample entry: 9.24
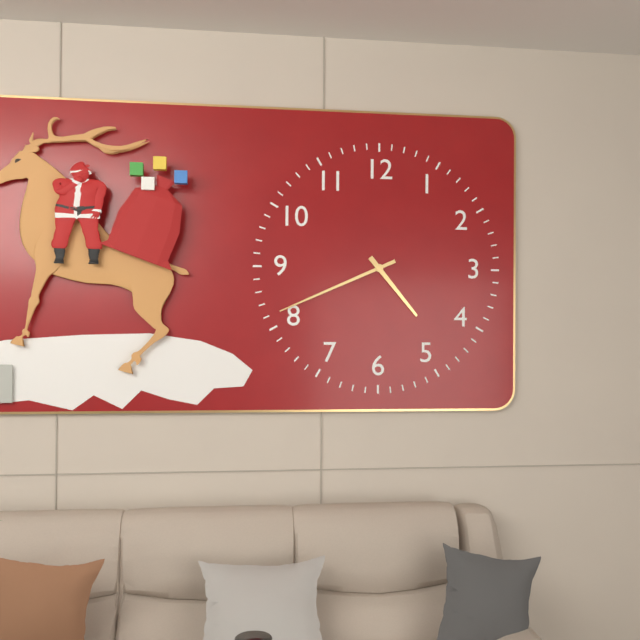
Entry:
4.41
